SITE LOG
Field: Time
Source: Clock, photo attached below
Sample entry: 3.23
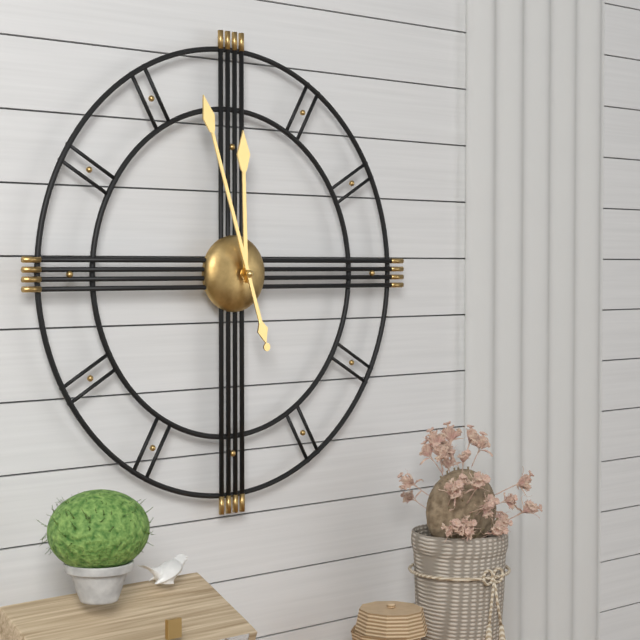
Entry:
11.57
